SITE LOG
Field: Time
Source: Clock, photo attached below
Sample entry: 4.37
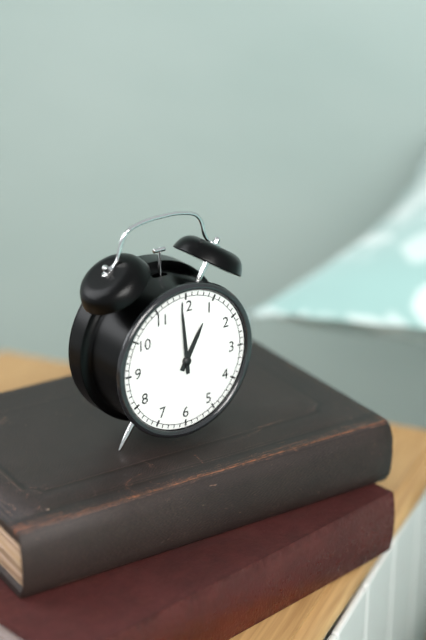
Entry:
12.59
